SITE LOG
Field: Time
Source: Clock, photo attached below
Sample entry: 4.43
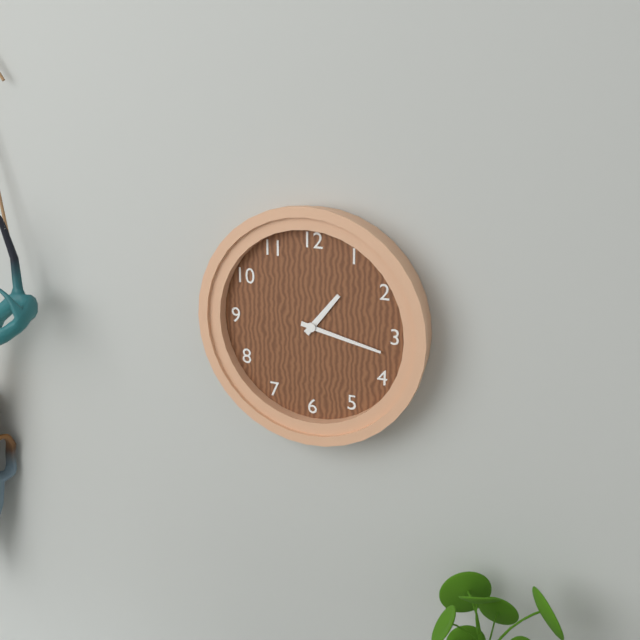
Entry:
1.17
